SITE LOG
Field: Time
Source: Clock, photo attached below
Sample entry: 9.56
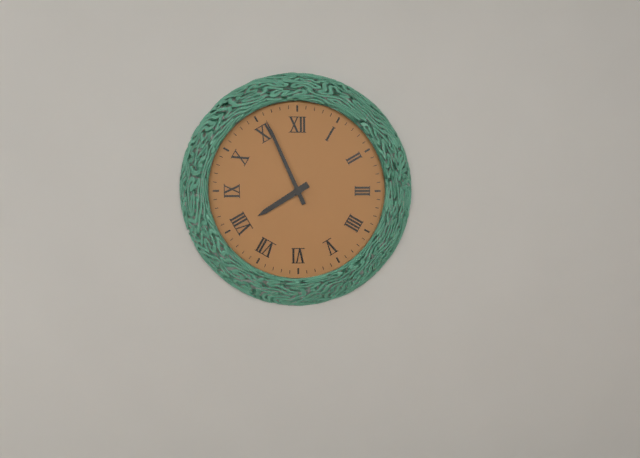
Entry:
7.56
